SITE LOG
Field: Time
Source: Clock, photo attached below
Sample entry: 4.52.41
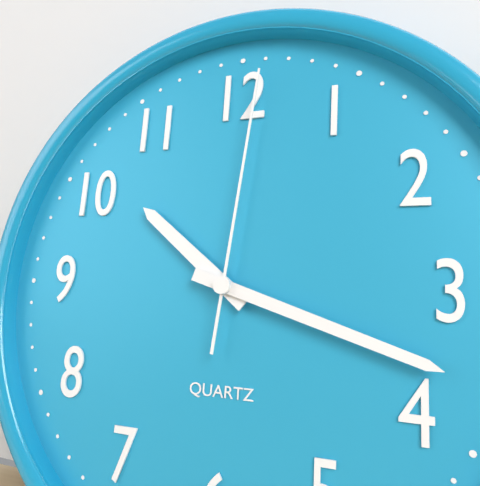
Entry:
10.18.01
